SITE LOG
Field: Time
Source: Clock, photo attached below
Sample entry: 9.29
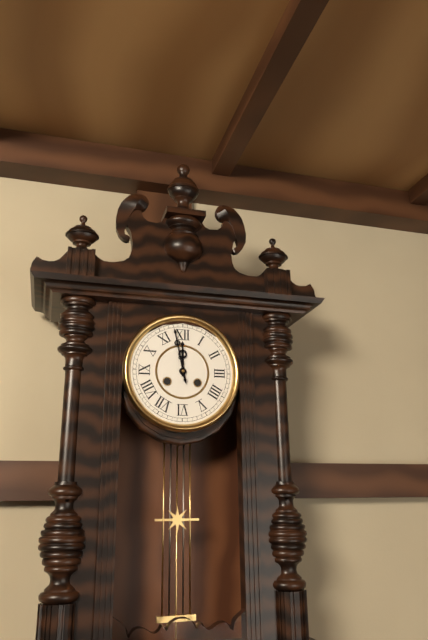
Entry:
11.58
